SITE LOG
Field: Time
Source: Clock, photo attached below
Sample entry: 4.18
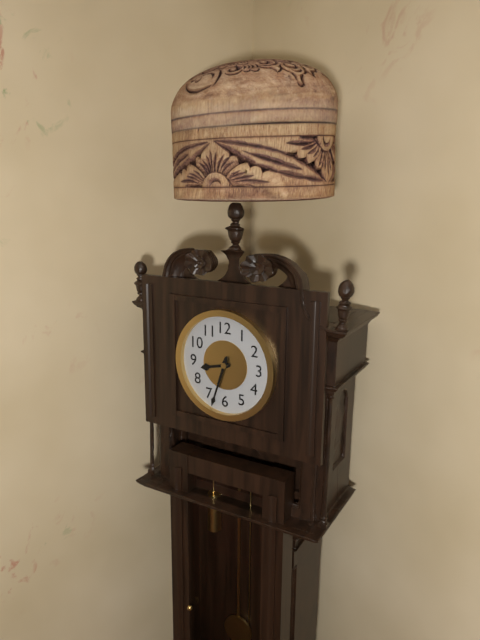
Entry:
8.33
